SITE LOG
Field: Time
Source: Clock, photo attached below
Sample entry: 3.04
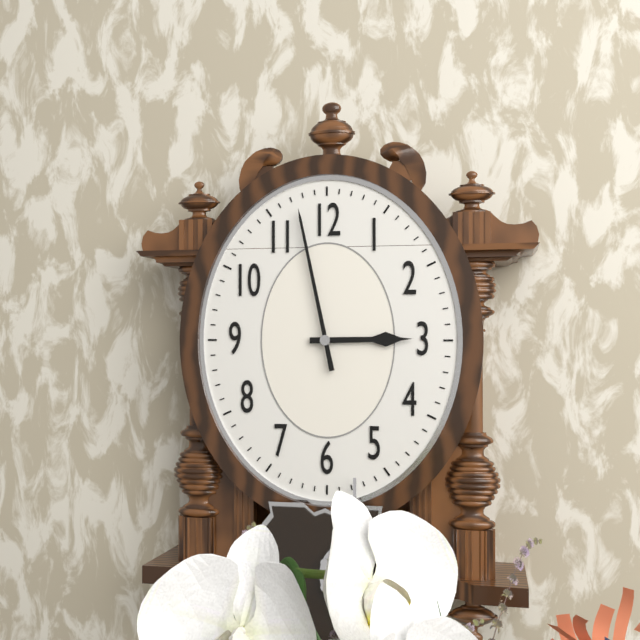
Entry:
2.58
